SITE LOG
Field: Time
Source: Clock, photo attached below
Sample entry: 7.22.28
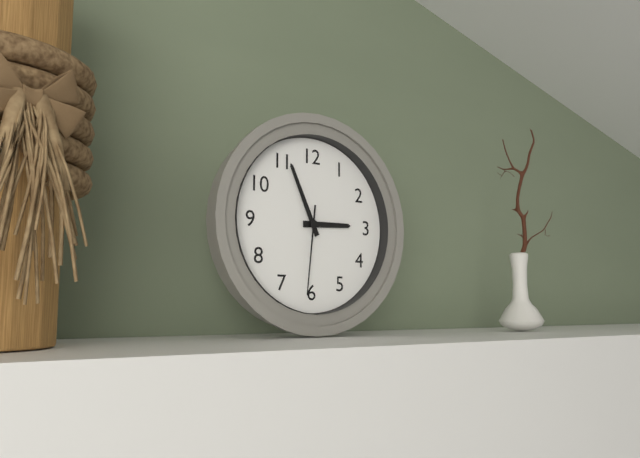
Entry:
2.56.31
